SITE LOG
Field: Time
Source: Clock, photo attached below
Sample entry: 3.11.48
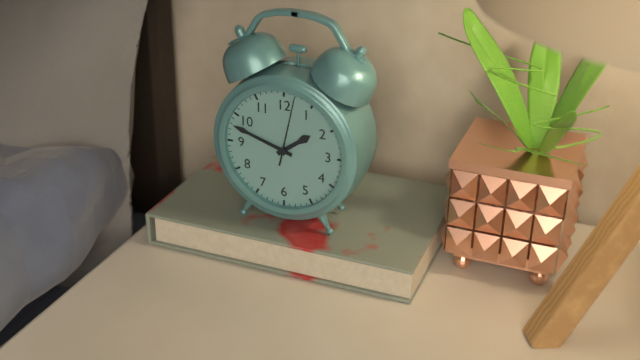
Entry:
1.48.02
